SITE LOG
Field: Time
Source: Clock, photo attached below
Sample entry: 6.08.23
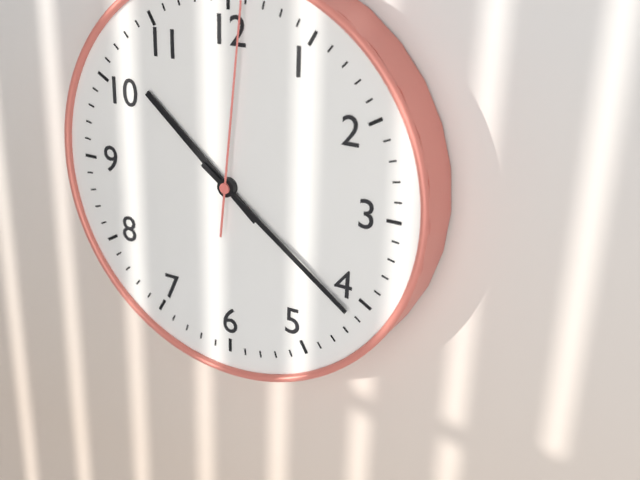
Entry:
10.21.01
